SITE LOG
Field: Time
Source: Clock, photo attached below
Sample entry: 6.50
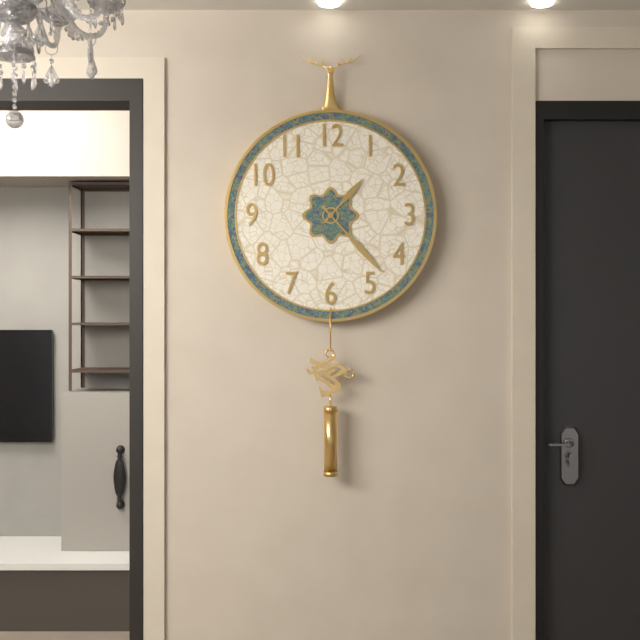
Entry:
1.23
